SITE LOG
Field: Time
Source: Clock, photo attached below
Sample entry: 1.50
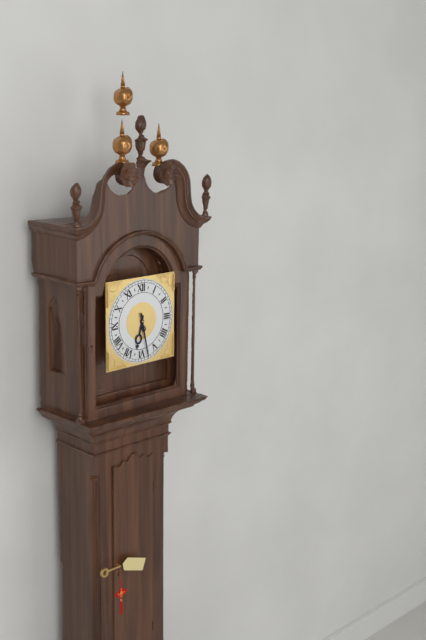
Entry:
6.28
